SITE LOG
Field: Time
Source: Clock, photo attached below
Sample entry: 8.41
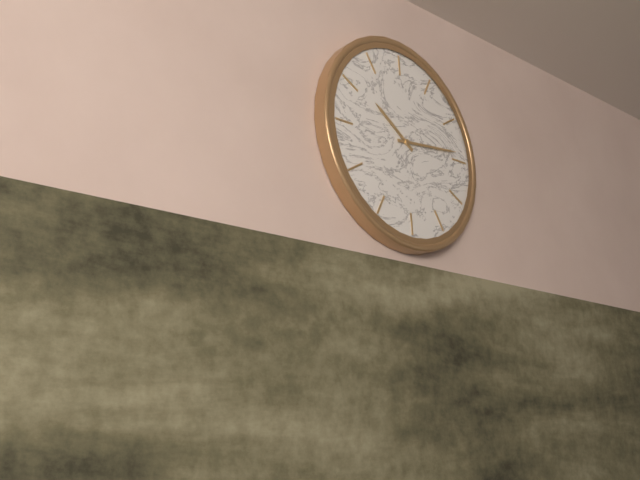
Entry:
10.14
